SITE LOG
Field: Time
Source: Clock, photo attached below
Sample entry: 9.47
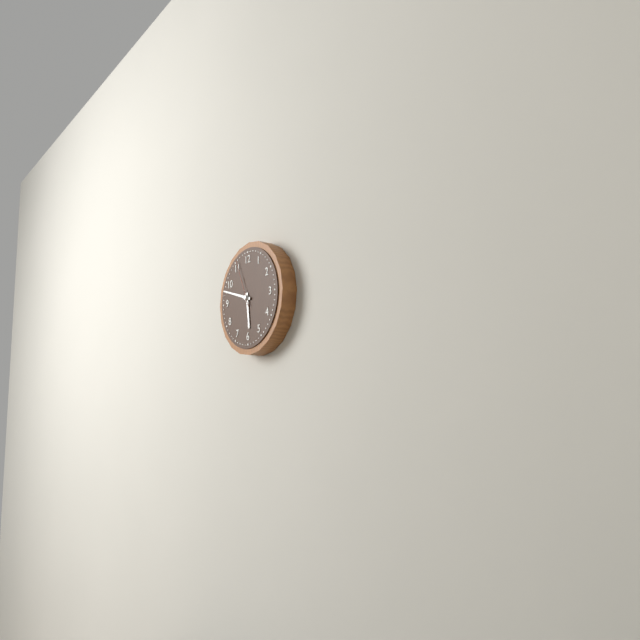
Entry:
5.48
